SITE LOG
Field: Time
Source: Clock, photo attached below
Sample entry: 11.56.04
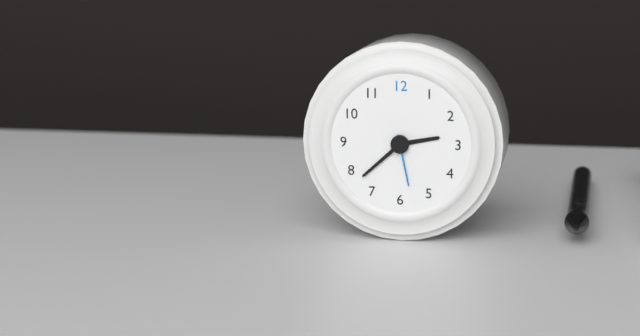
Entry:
2.38.28
